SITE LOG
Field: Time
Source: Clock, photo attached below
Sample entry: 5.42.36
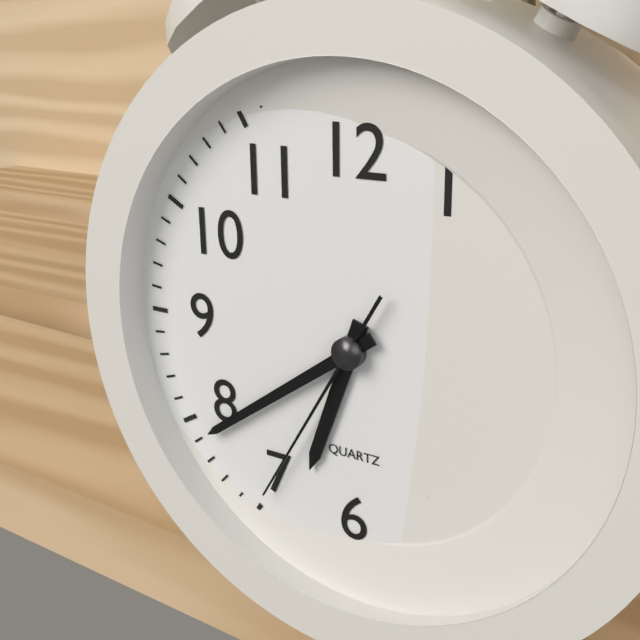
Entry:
6.39.35
